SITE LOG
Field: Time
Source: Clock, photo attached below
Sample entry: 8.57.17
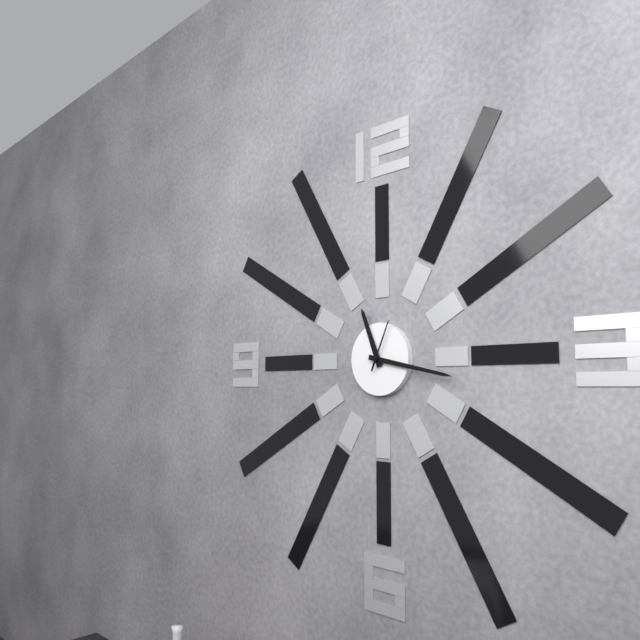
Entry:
11.17.04
